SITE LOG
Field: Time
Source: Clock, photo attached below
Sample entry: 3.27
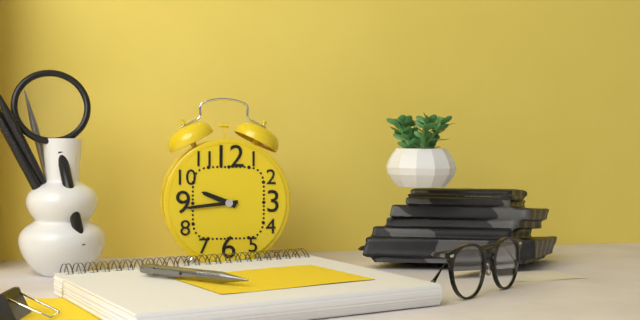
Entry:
9.44
